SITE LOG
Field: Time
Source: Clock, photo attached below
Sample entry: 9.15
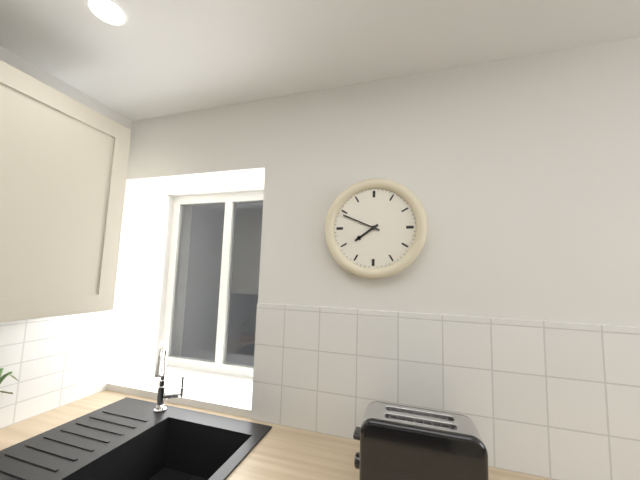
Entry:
7.49
